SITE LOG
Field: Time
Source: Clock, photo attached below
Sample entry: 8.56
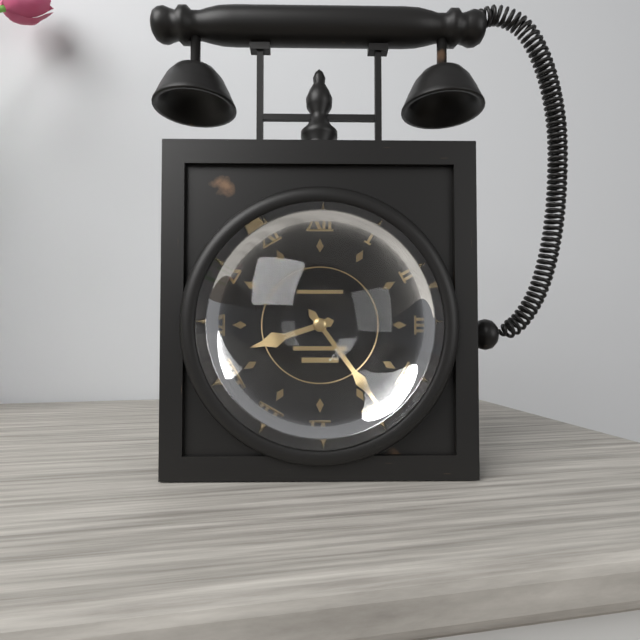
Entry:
8.24
